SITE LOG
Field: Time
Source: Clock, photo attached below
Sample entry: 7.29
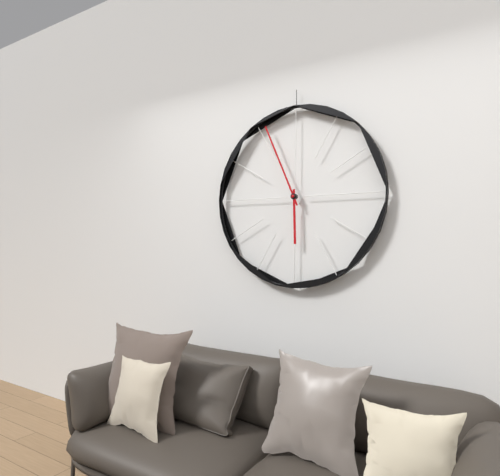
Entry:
5.56
